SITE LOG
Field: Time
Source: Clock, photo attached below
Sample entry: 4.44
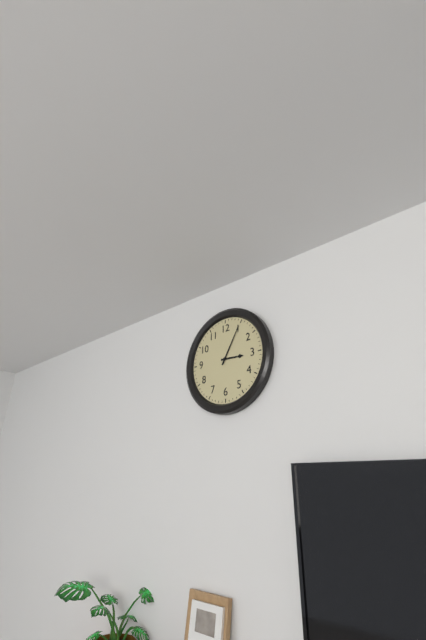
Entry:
3.05
